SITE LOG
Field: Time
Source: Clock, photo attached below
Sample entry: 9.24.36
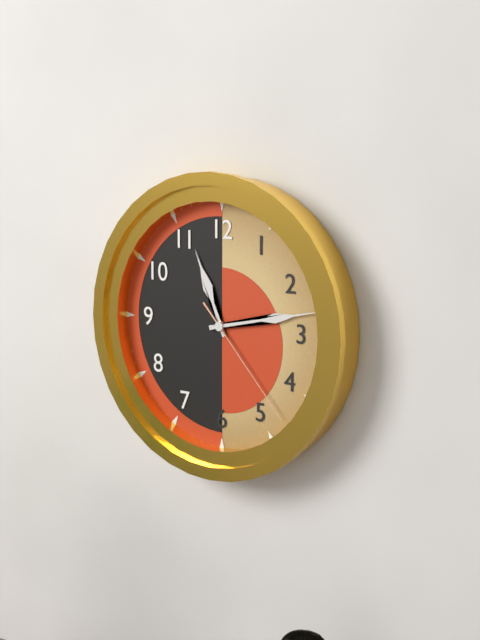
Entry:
11.13.23
